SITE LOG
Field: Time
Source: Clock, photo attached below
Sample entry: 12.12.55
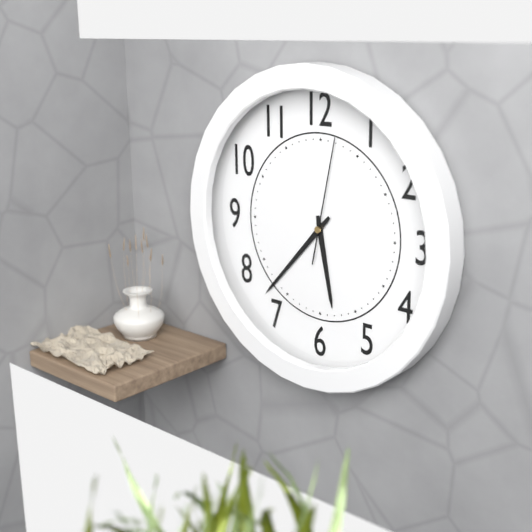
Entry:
5.37.02
